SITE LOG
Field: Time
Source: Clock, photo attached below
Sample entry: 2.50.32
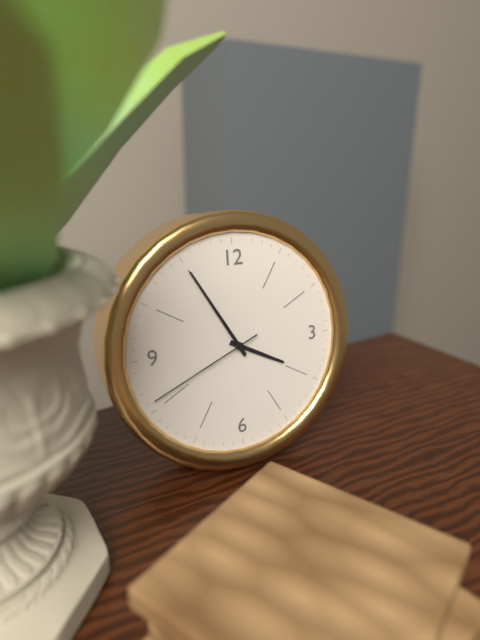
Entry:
3.55.41
